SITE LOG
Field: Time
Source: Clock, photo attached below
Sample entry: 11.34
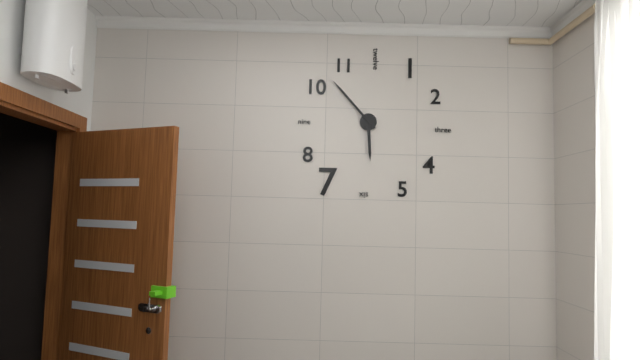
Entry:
5.53
